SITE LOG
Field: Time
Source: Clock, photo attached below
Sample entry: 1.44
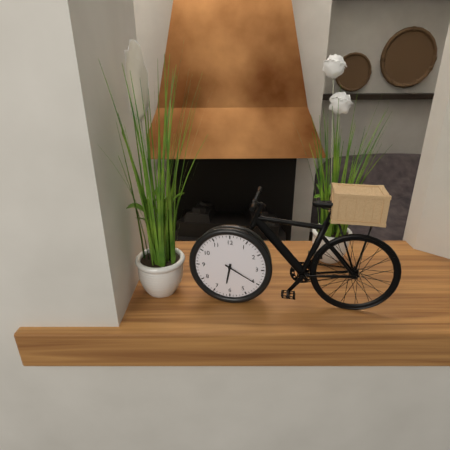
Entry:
6.20
